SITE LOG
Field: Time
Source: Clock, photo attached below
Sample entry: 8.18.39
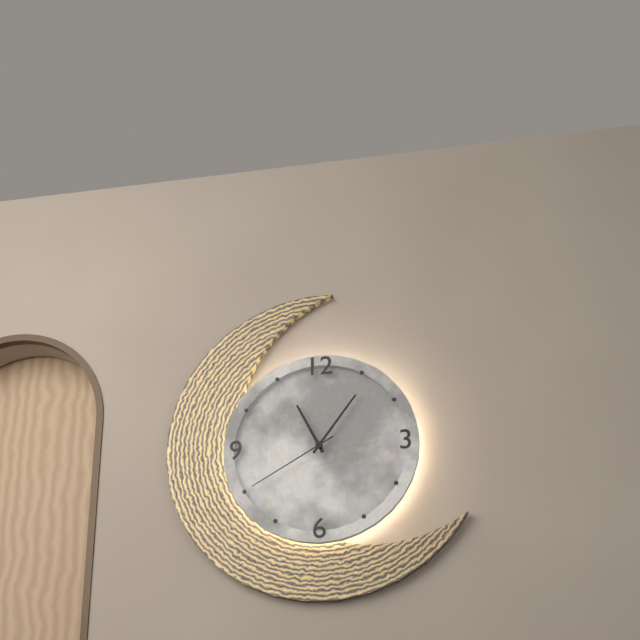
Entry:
11.06.40
